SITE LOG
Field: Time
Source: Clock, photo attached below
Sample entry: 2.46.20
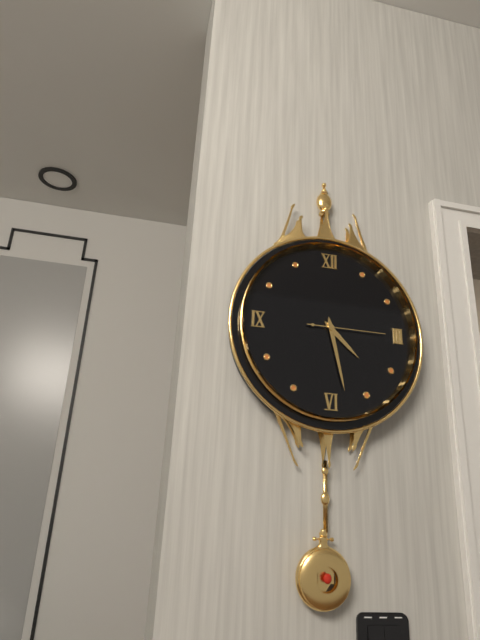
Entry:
4.28.15
